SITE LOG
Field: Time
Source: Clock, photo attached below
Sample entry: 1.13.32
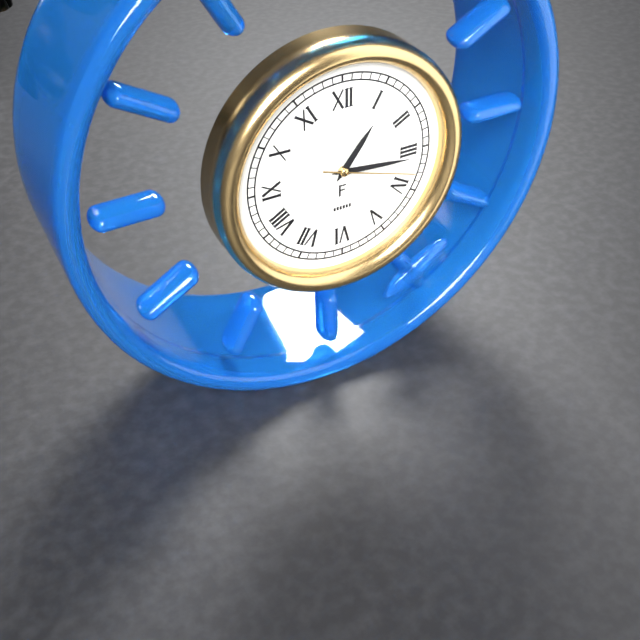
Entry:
1.16.18
